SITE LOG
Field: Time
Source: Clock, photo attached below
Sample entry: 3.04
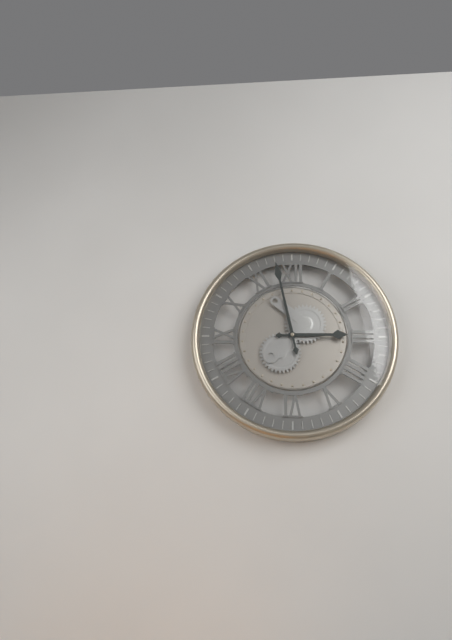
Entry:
2.58
